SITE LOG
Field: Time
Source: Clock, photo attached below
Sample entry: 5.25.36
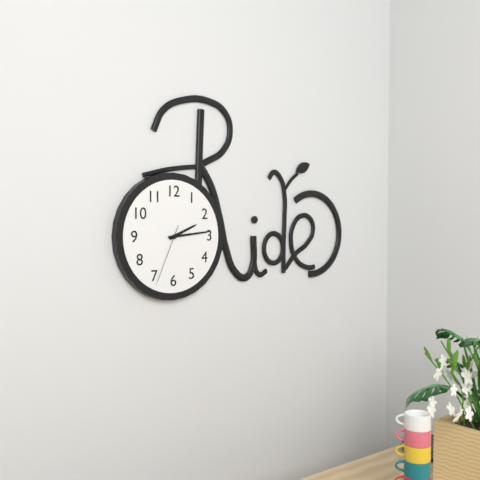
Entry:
2.14.34
